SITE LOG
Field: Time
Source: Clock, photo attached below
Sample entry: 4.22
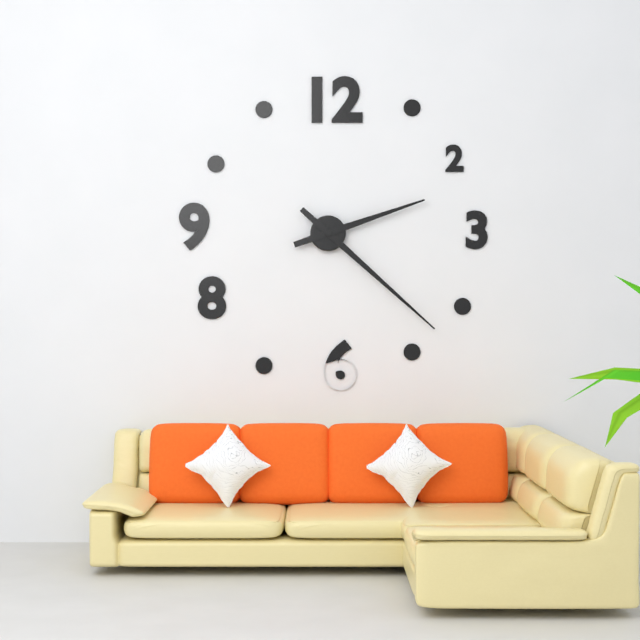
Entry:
2.22
